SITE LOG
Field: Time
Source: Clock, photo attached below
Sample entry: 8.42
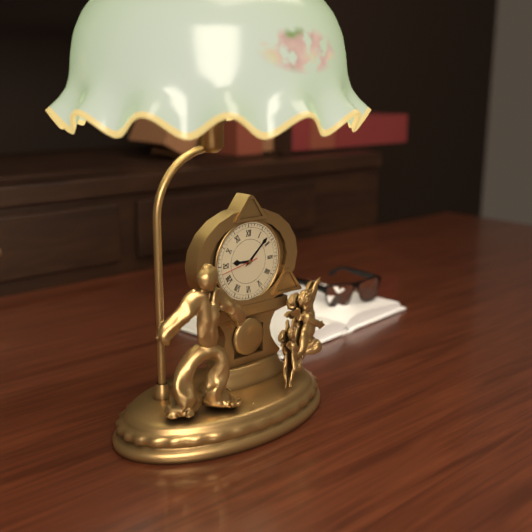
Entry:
9.08
